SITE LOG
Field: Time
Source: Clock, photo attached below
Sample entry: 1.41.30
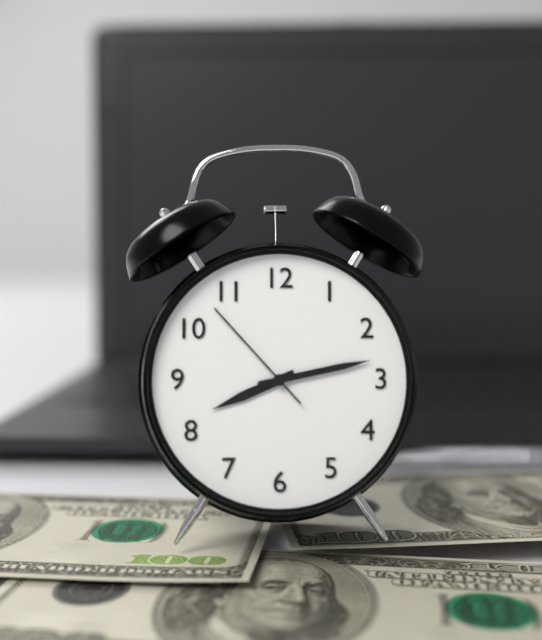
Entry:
8.13.53
